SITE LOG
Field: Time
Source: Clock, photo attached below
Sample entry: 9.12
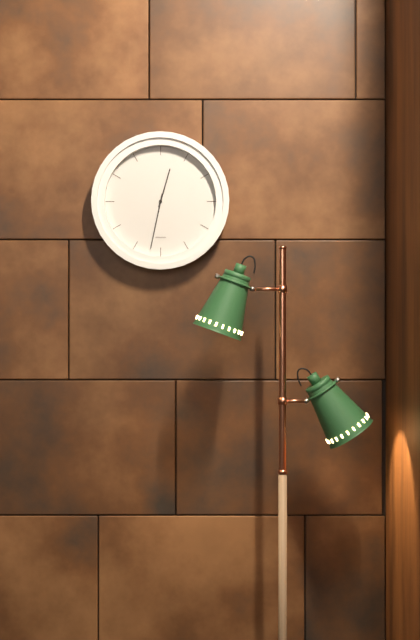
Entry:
12.32
